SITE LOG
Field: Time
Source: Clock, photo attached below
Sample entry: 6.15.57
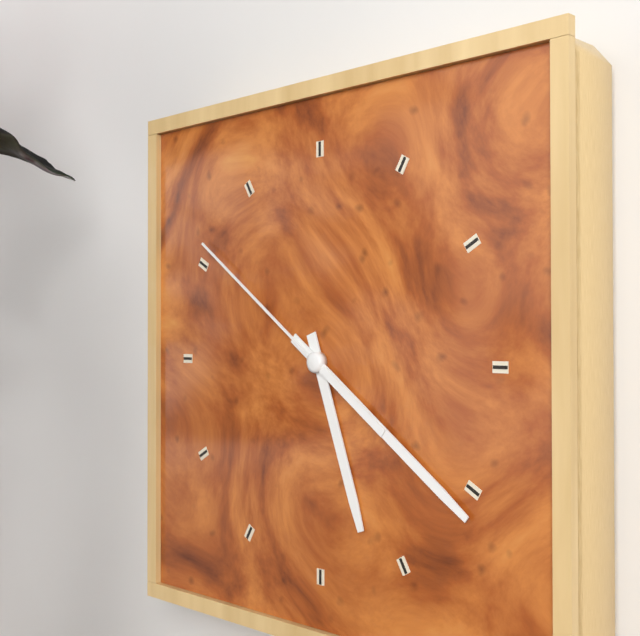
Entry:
5.21.51
